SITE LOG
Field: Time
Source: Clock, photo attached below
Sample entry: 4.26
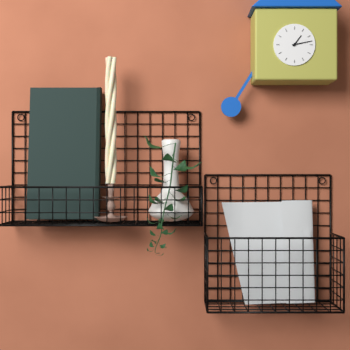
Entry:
1.13
